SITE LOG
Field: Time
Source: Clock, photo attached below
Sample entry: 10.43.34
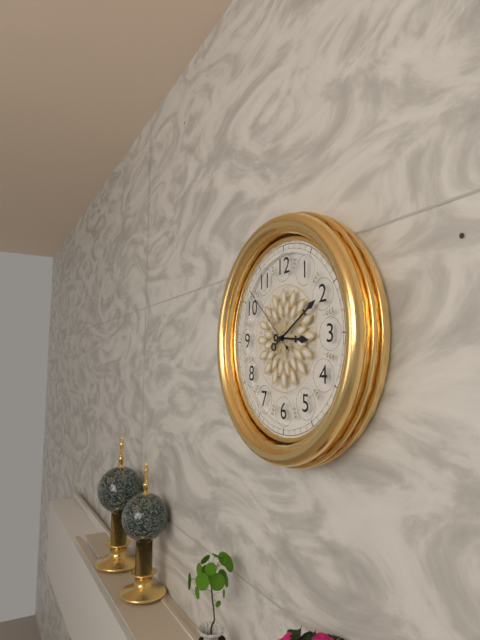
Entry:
3.10.52
